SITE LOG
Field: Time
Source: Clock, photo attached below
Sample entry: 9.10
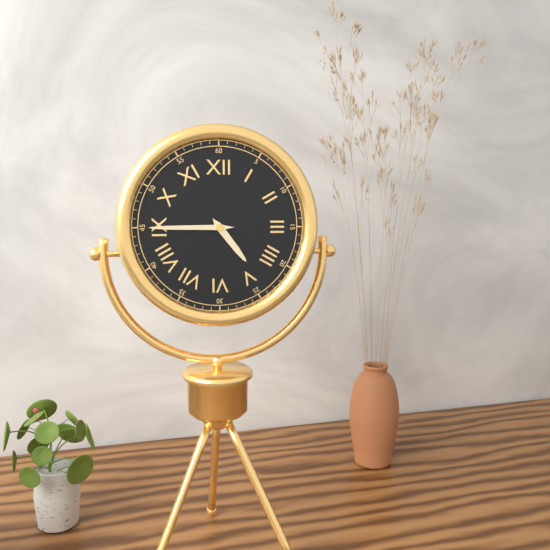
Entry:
4.45
